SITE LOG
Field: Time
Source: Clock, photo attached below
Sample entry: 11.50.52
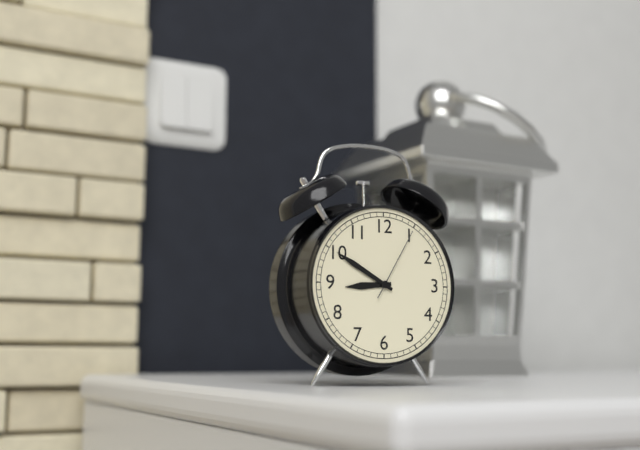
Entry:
8.50.05
